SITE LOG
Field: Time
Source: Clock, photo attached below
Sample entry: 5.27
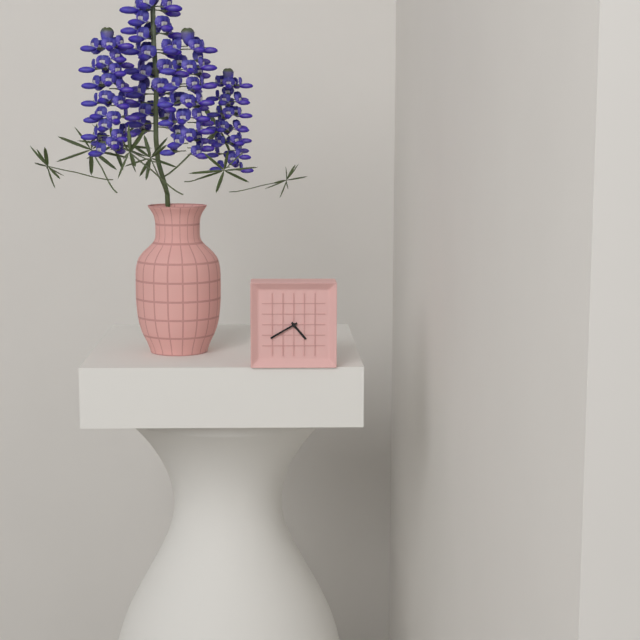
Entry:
4.40
